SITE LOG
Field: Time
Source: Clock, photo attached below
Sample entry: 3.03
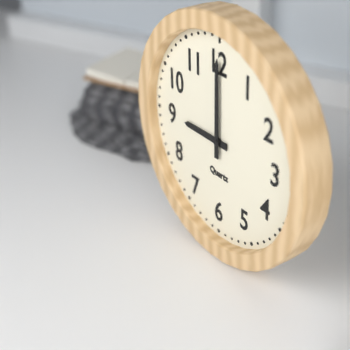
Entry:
9.00
